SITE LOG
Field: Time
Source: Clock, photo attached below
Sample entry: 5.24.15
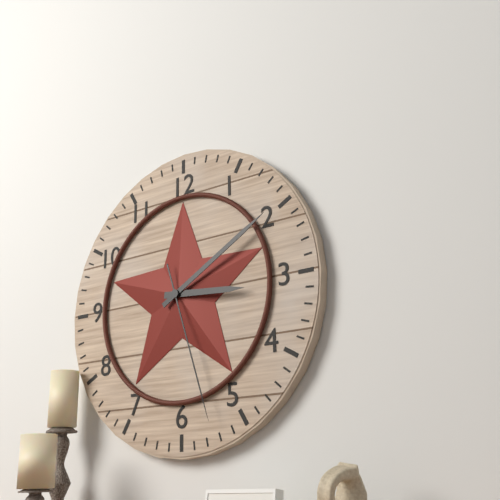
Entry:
3.10.27
